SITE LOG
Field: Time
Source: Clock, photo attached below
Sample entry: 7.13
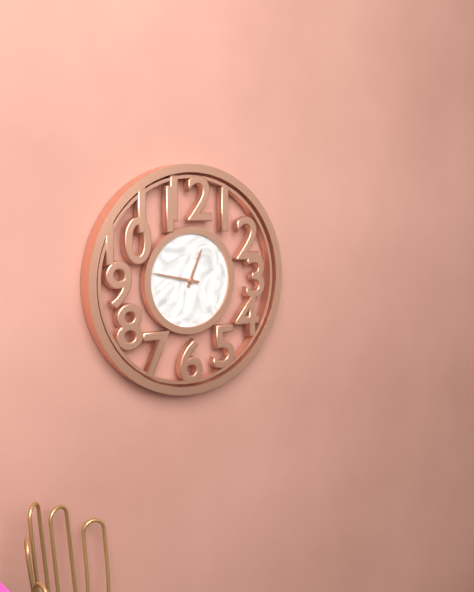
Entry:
12.47
